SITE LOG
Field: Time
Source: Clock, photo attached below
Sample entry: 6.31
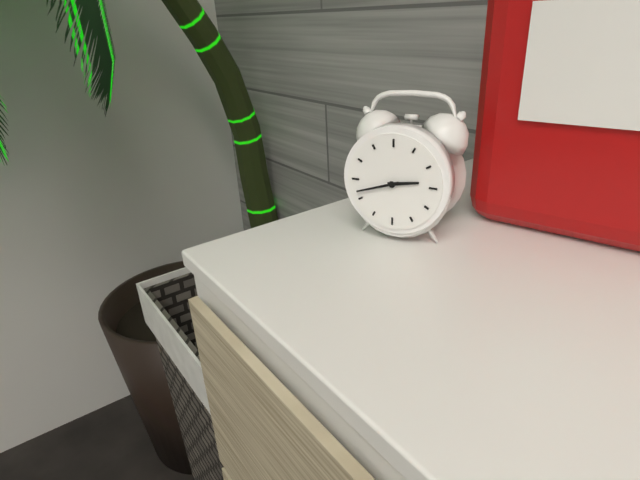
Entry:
2.42
